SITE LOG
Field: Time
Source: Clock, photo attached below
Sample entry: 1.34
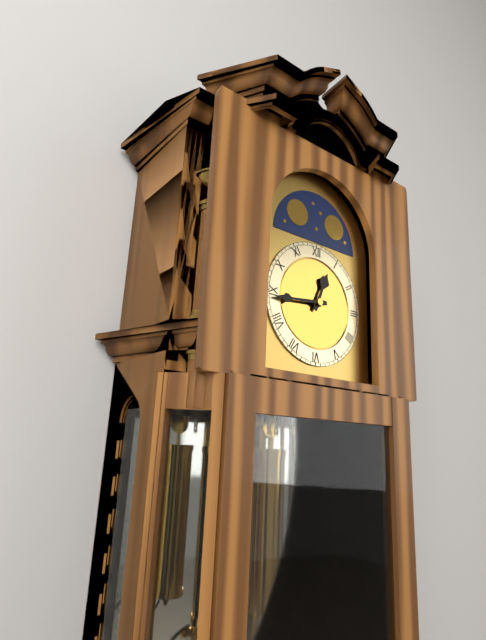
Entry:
12.44
